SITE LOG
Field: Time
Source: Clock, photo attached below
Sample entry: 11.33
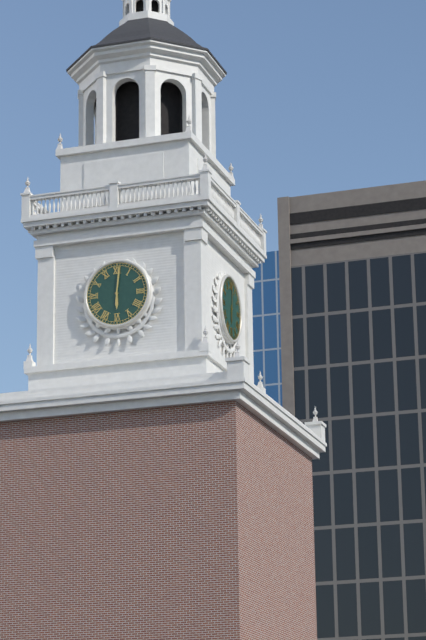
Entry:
6.01
